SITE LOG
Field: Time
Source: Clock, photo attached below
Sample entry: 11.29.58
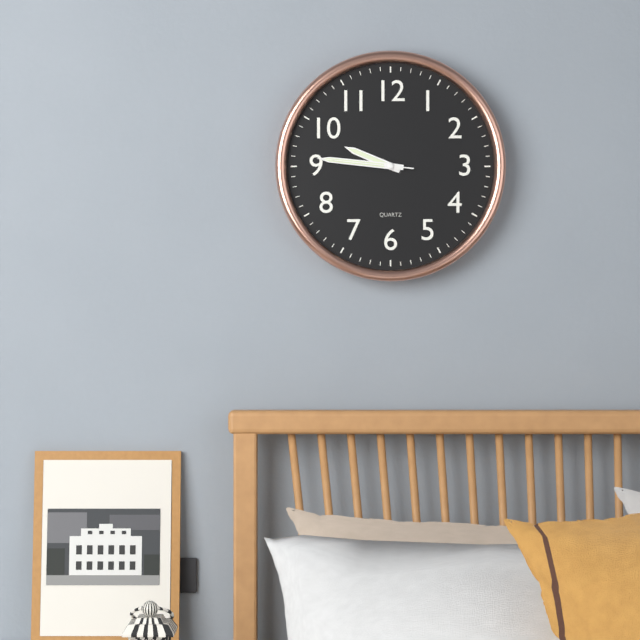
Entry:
9.46.46
